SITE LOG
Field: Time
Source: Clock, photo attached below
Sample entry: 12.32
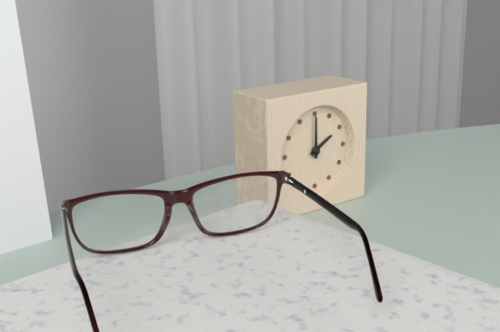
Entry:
2.00
